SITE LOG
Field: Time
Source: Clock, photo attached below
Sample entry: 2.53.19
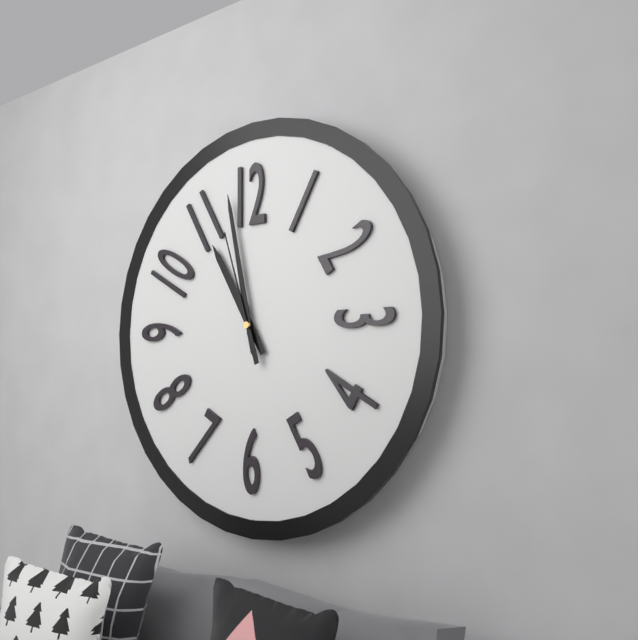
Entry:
10.58.57
